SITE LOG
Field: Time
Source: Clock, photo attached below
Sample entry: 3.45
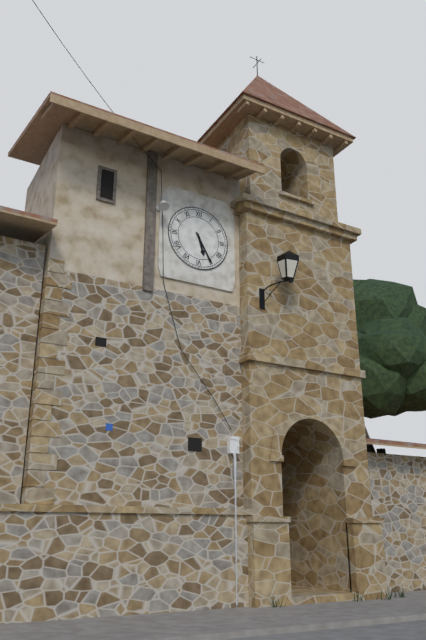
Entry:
5.25
